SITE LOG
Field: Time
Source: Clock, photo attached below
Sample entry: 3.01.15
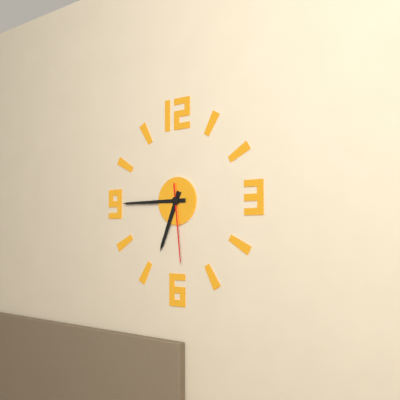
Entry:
6.45.29
